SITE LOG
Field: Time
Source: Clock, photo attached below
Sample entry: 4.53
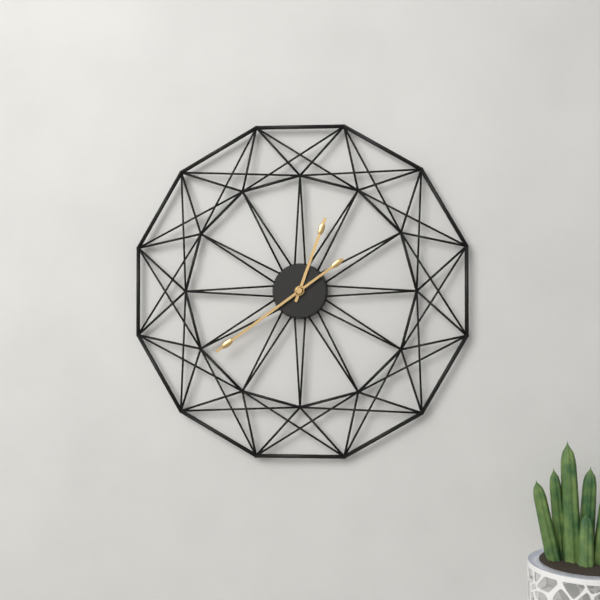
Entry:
12.39
